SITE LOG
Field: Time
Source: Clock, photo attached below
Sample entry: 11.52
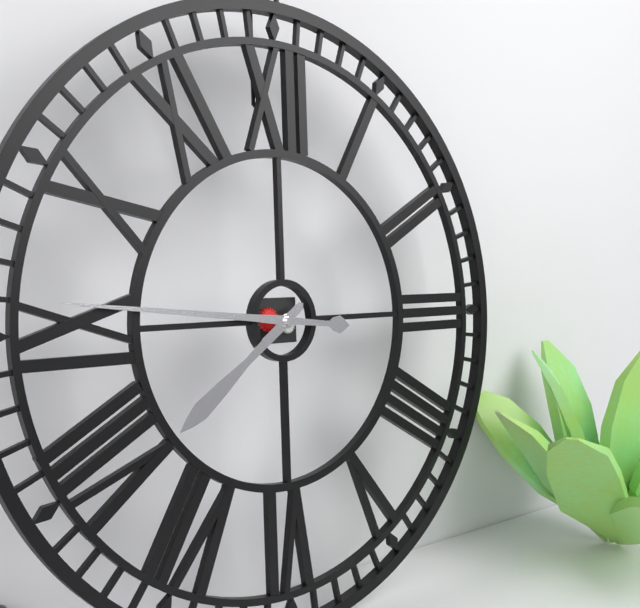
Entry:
7.46
